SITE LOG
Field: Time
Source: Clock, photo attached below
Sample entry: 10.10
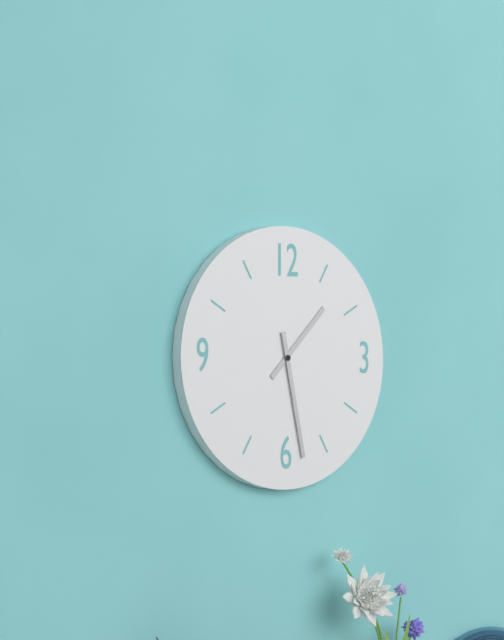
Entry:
1.28
